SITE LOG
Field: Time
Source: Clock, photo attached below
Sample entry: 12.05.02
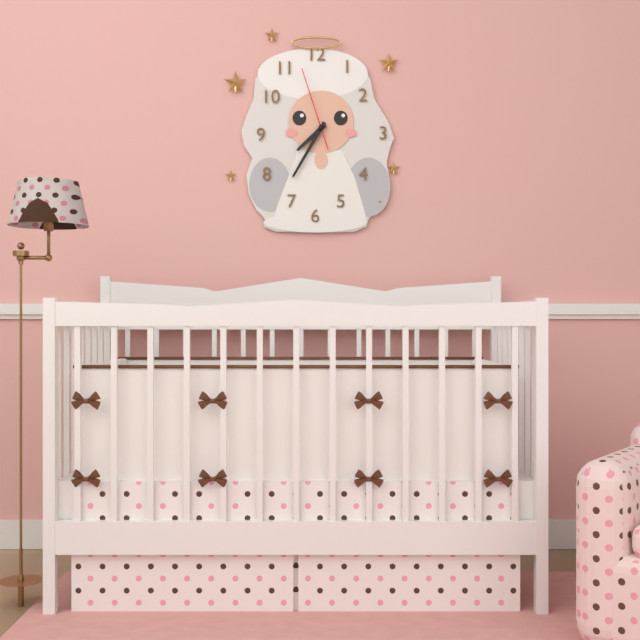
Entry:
7.35.57
